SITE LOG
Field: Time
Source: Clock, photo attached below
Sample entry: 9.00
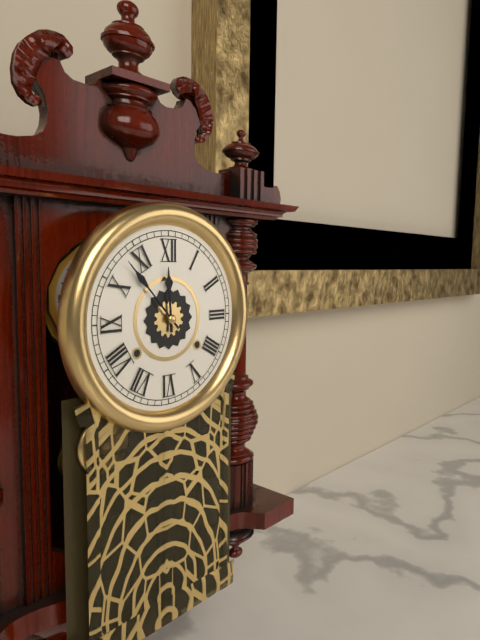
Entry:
11.53
